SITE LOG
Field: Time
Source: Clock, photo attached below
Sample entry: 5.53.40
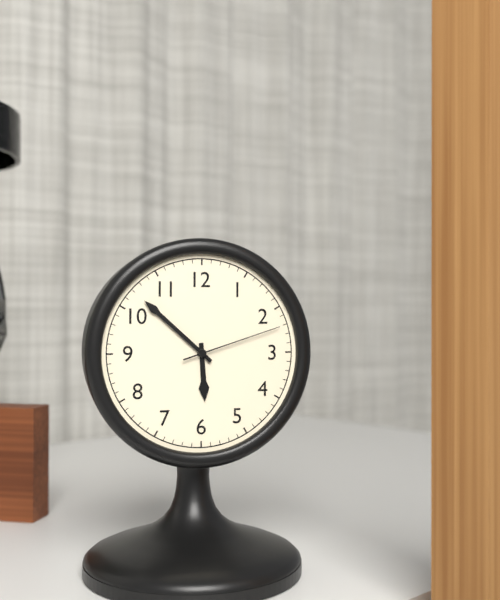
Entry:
5.52.12
